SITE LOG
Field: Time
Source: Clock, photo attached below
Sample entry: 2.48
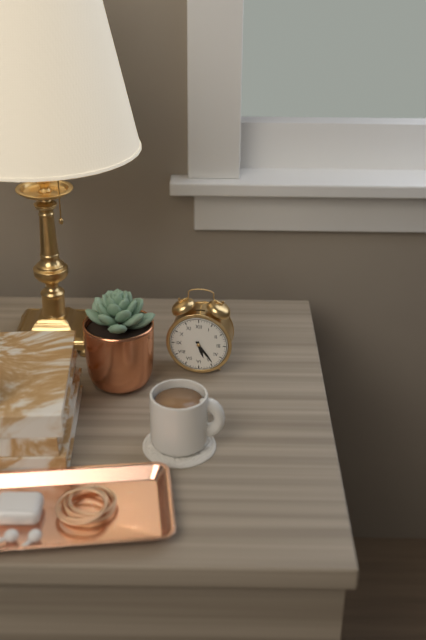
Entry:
5.24
